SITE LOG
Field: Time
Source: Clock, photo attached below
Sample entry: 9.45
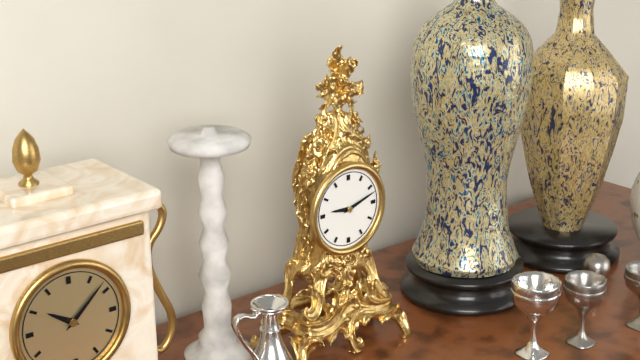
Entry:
9.12
